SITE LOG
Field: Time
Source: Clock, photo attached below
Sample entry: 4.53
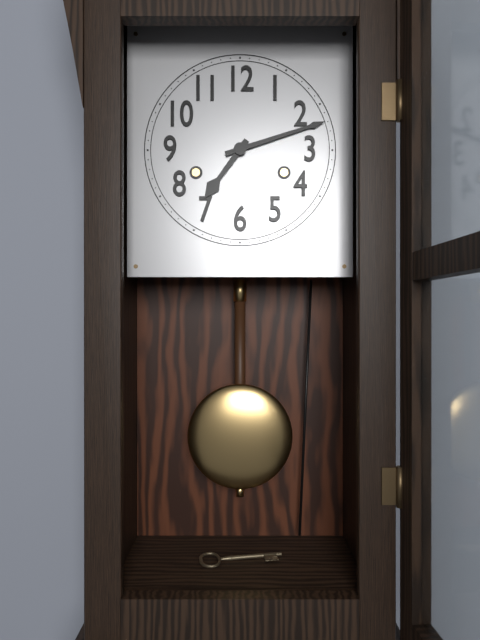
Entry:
7.12
